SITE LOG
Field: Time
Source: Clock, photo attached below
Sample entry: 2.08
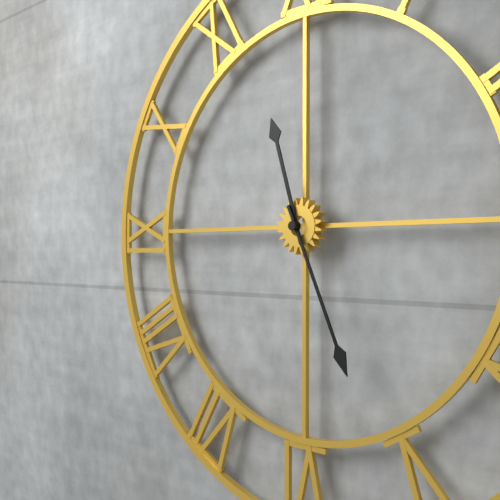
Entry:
11.26
